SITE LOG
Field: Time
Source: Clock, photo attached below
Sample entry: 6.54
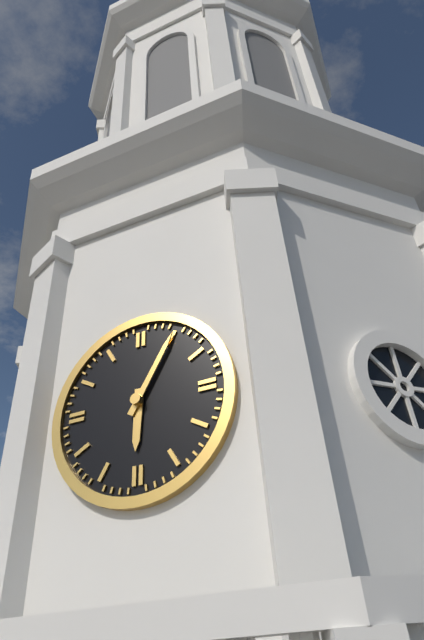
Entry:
6.05
